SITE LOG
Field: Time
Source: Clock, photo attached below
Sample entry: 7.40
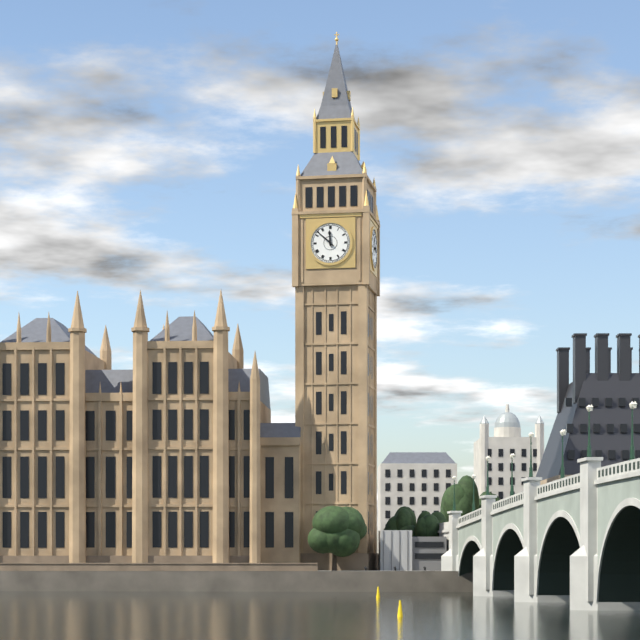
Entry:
11.52
